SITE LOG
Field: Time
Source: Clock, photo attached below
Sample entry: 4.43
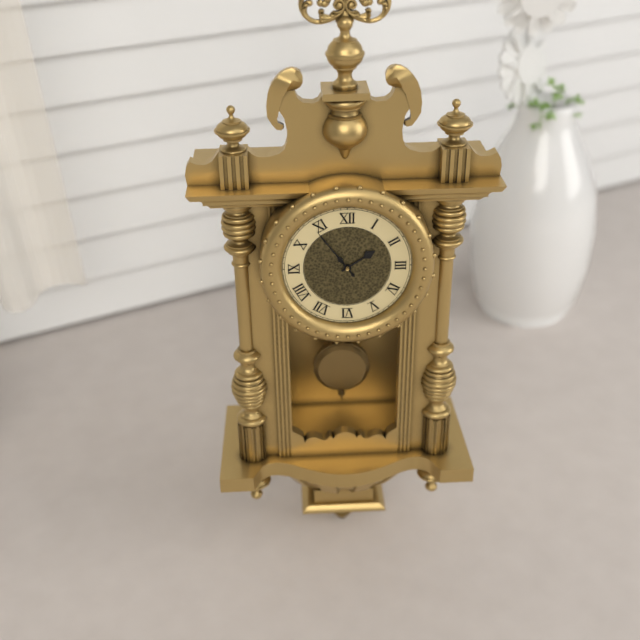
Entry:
1.54
